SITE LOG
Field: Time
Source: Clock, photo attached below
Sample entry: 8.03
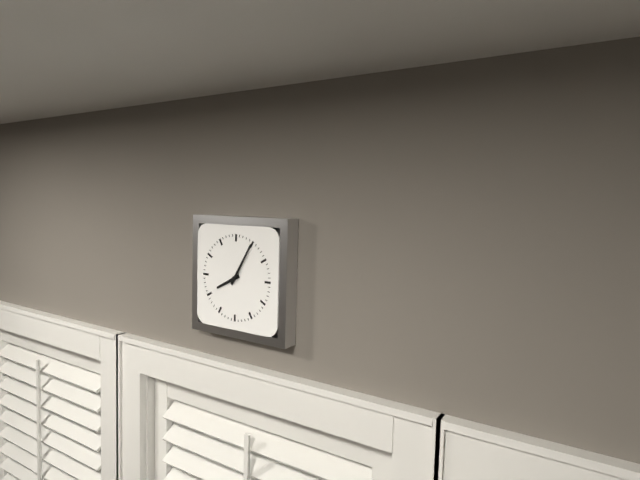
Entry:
8.05
